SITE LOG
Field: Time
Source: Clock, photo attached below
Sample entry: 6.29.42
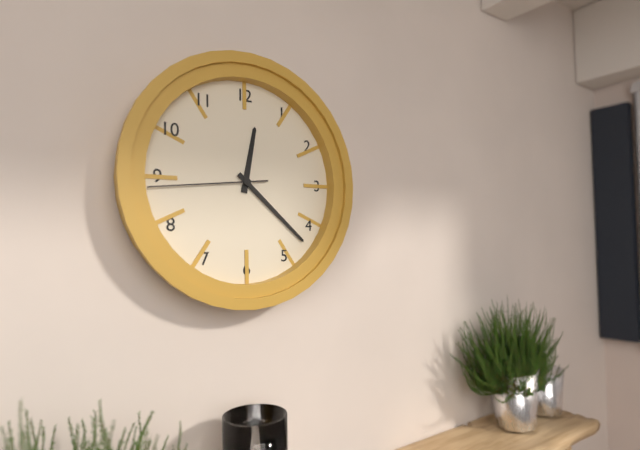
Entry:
12.22.44
